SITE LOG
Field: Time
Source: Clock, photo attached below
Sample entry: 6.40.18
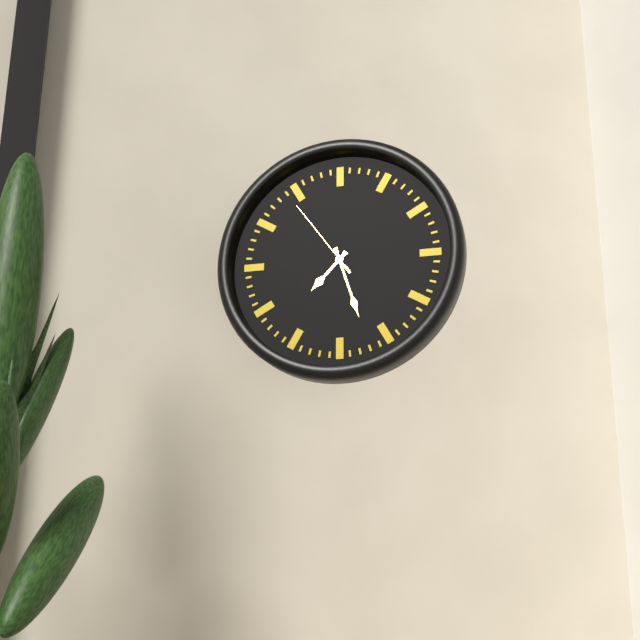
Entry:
7.27.54
